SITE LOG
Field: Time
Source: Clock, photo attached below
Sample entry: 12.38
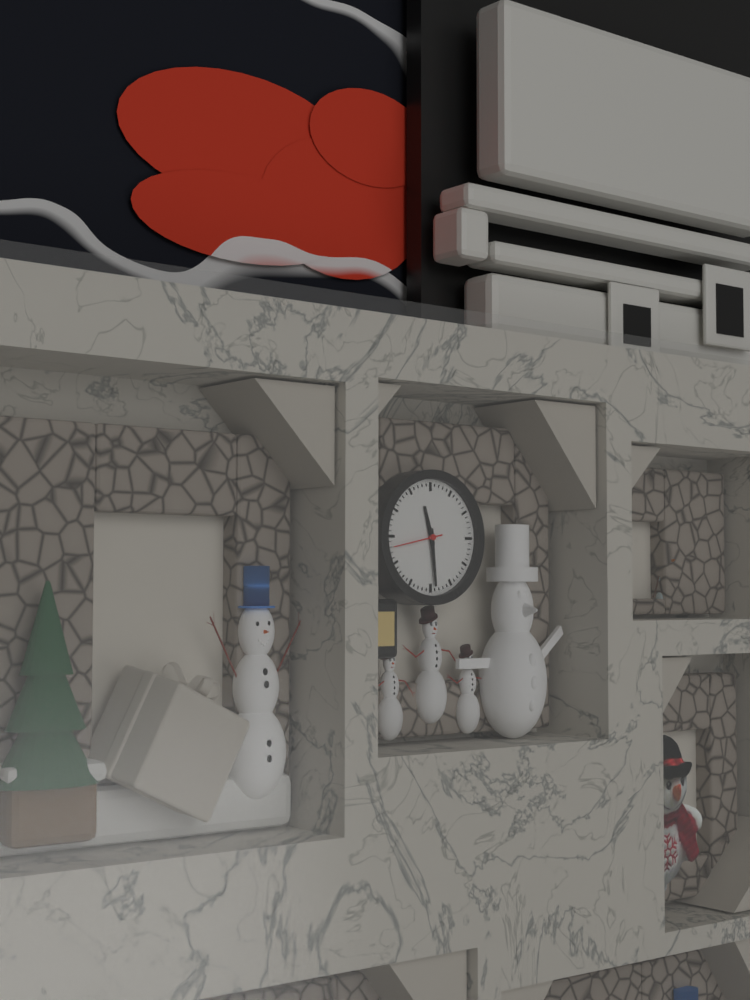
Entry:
11.29
